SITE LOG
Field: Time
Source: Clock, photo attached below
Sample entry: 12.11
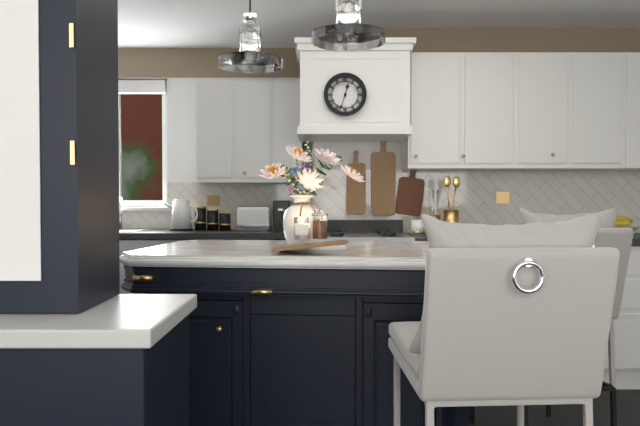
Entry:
12.33
